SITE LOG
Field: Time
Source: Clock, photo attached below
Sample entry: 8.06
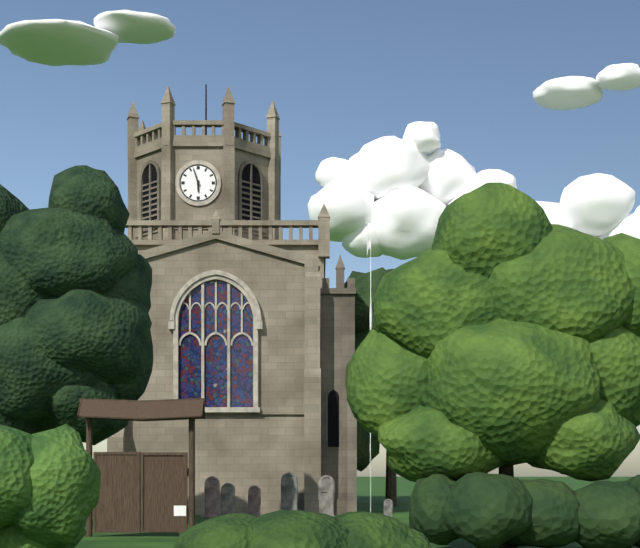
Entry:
5.57
